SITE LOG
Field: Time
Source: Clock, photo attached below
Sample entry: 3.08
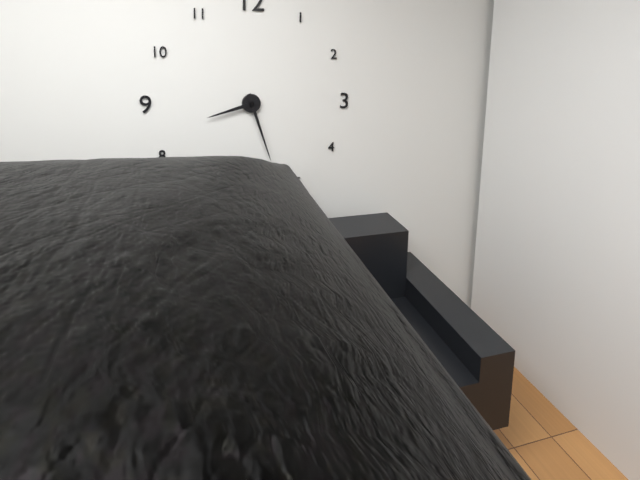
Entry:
8.27
